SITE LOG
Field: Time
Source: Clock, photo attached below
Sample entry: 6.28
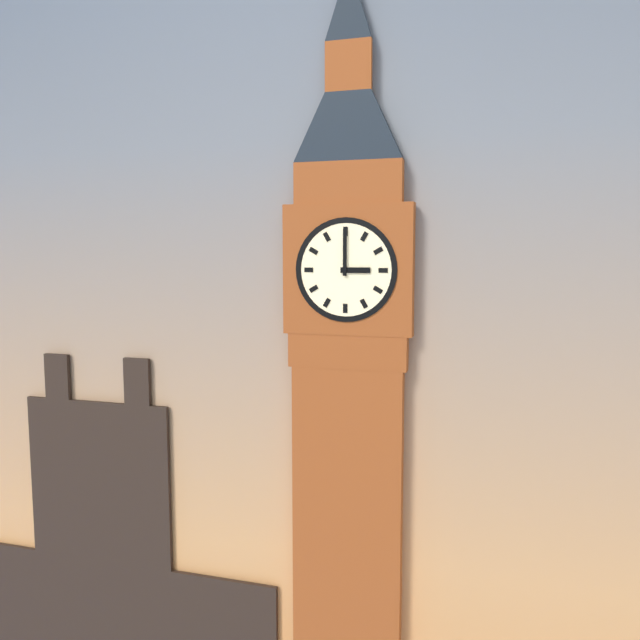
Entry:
3.00
